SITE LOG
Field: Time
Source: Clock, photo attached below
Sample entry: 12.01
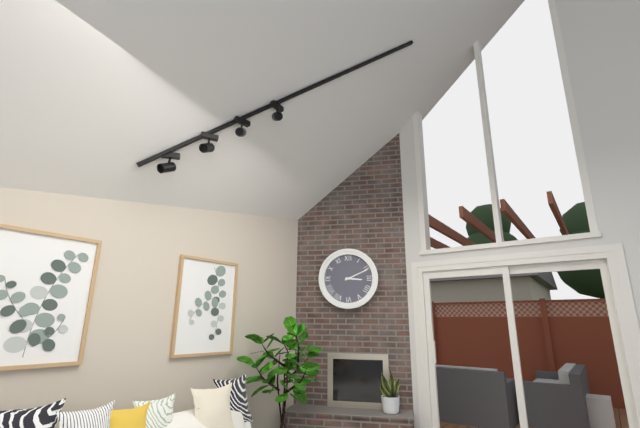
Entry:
3.11
